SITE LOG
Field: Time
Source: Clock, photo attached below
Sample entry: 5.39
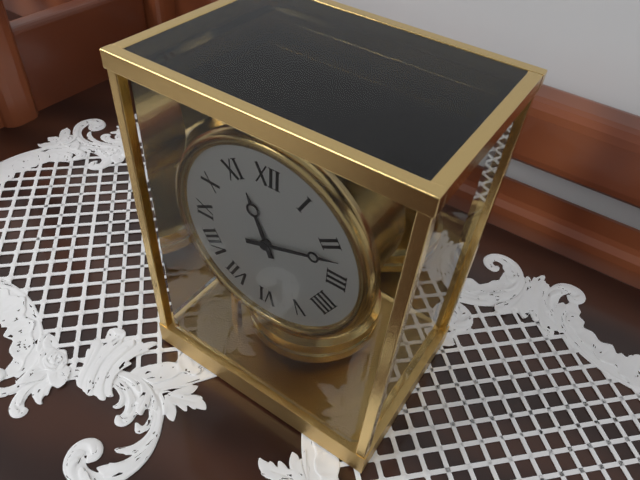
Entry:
11.12
